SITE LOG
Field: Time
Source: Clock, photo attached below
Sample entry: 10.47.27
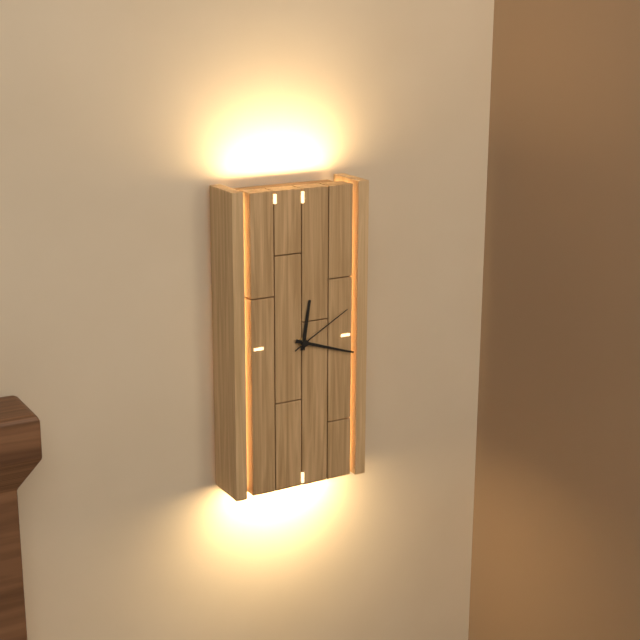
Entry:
12.18.10
